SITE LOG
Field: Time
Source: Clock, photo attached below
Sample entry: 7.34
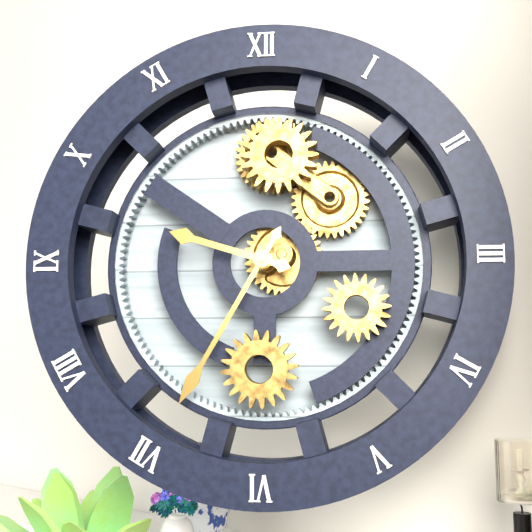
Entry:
9.35
